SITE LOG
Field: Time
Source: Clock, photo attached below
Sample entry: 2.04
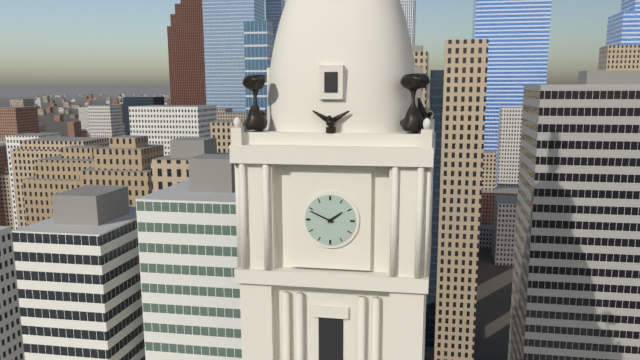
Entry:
1.49
